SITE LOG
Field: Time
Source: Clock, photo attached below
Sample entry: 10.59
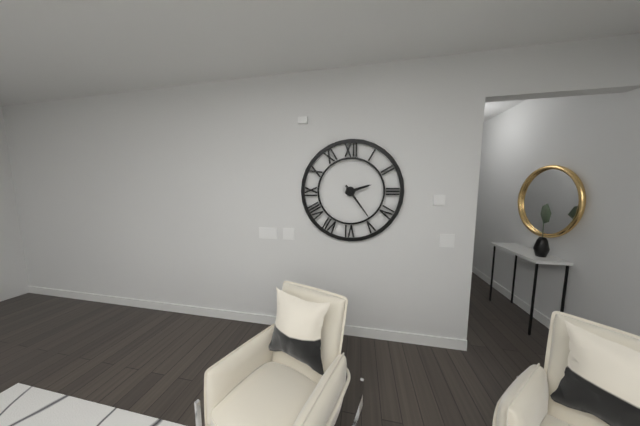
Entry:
2.24
